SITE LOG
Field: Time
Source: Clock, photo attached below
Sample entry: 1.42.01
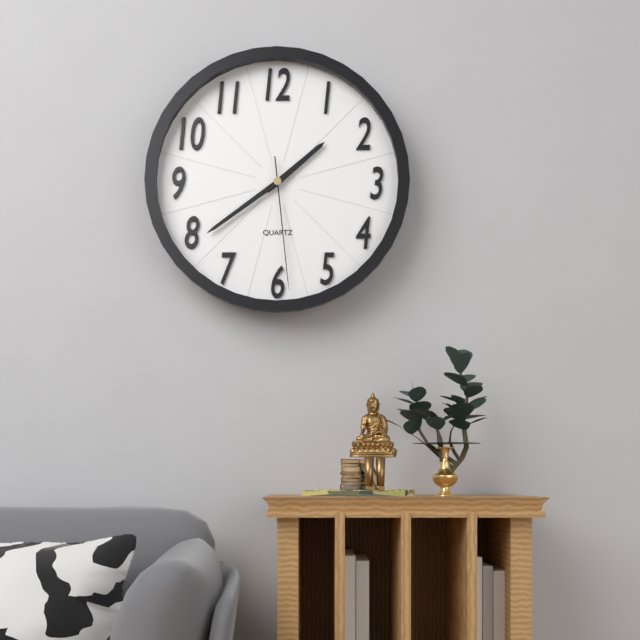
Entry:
1.39.29
